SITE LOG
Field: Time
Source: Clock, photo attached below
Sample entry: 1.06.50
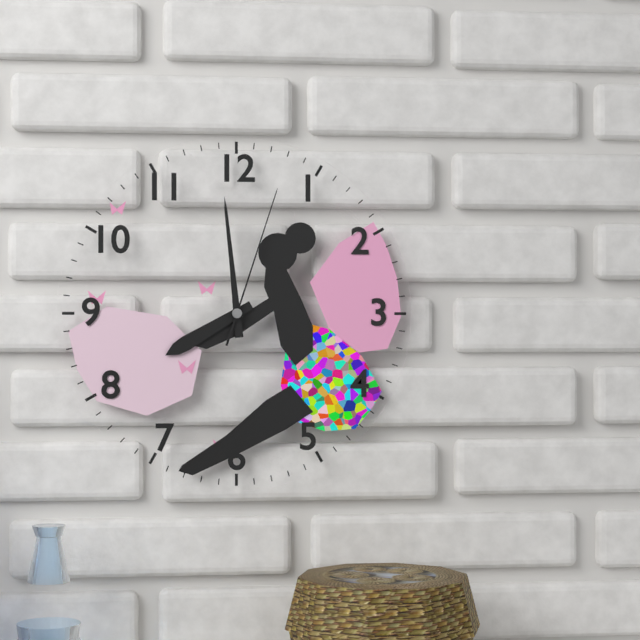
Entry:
7.59.03
